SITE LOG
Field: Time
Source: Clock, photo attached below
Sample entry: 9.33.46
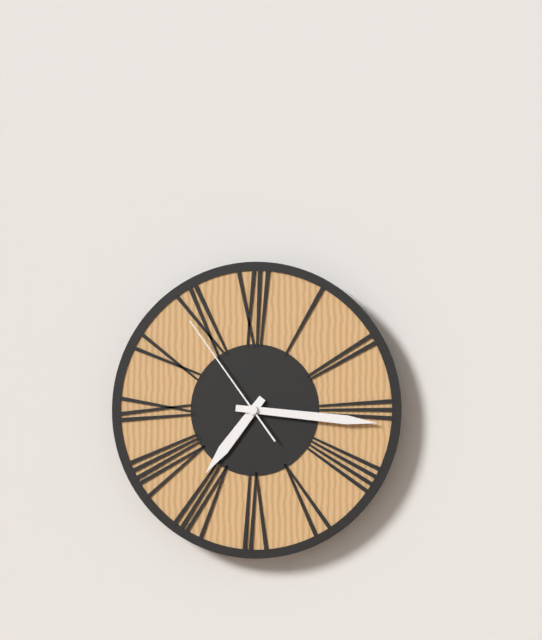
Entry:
7.16.54
